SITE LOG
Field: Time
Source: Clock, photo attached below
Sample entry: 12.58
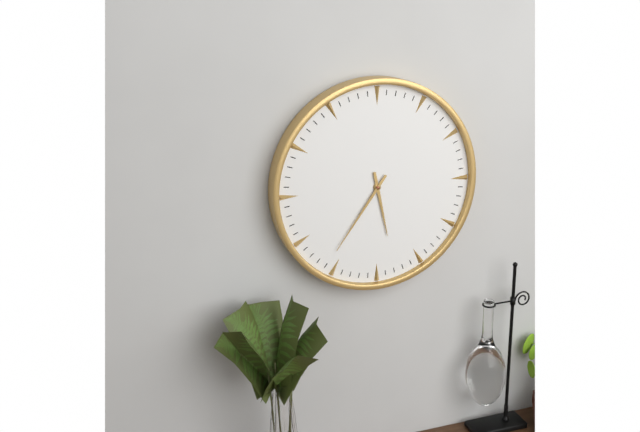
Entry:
5.36
